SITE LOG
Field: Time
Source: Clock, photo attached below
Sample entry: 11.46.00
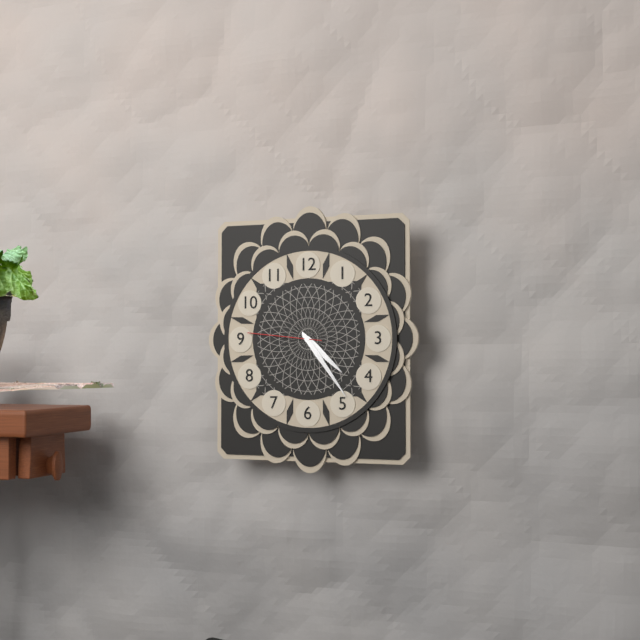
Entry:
4.24.46
